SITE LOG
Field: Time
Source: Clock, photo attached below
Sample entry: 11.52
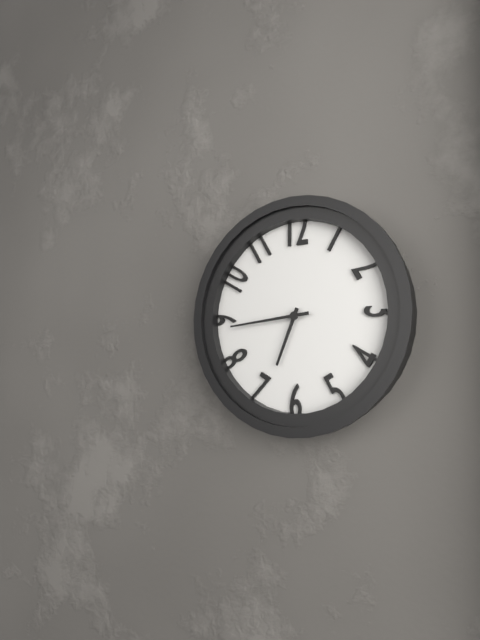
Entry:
6.44
